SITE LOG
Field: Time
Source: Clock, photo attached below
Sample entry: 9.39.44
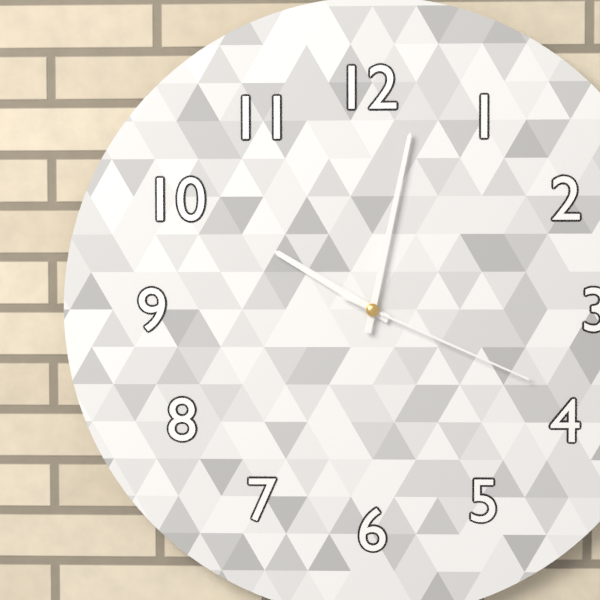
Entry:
10.02.19
